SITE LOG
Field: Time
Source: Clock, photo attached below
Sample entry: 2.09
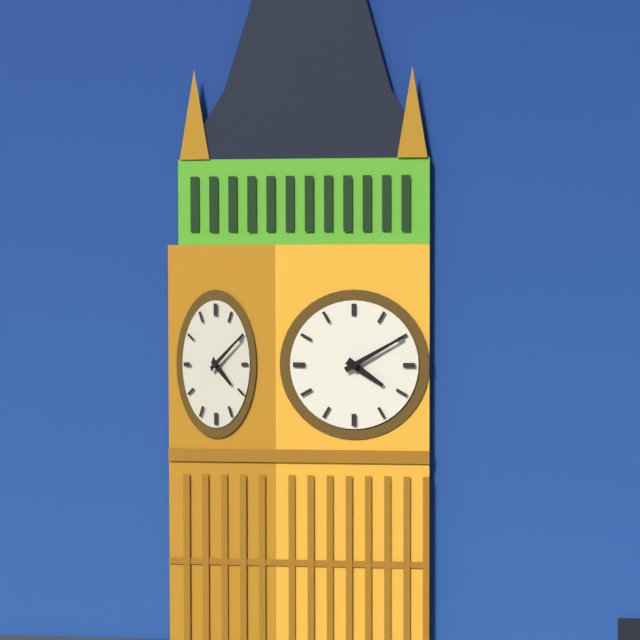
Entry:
4.10
